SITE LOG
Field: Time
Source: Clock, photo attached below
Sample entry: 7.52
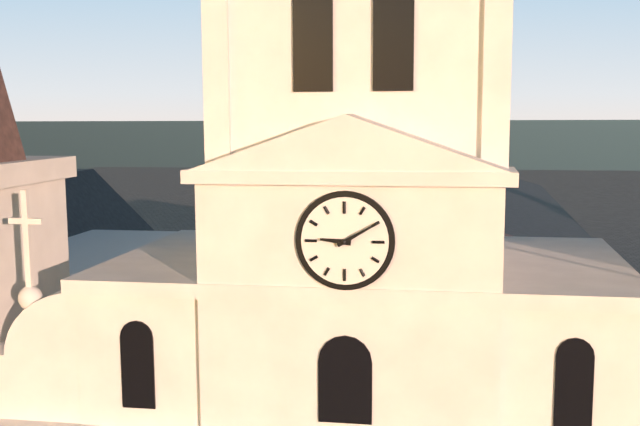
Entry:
9.10
